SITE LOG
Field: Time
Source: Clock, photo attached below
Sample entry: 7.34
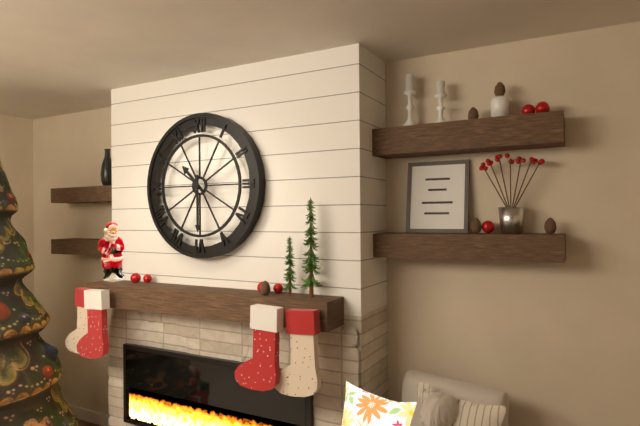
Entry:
10.30
